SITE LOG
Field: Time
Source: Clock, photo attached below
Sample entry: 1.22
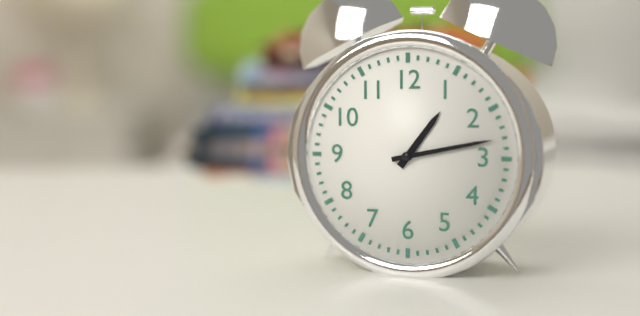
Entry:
1.13
